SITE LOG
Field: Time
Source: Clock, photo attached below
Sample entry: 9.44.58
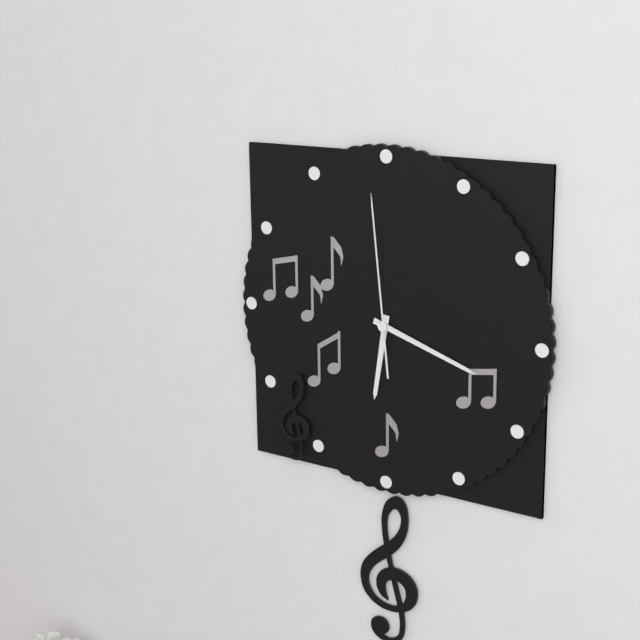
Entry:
6.18.59
